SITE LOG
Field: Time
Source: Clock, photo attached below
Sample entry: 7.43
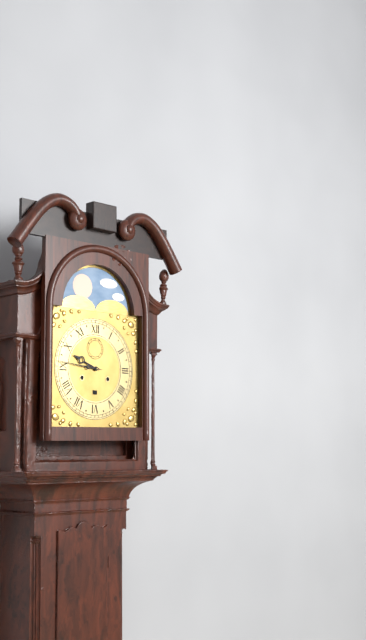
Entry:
9.46
